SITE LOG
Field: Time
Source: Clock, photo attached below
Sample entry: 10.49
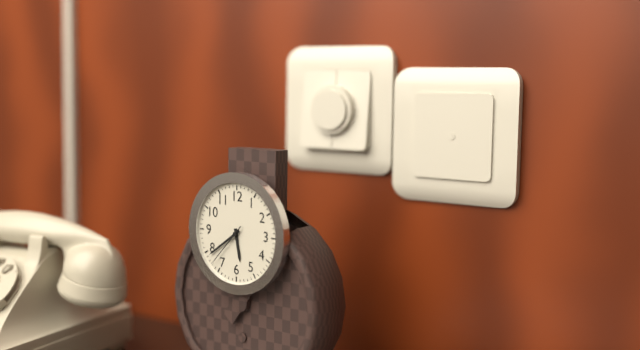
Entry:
5.39
